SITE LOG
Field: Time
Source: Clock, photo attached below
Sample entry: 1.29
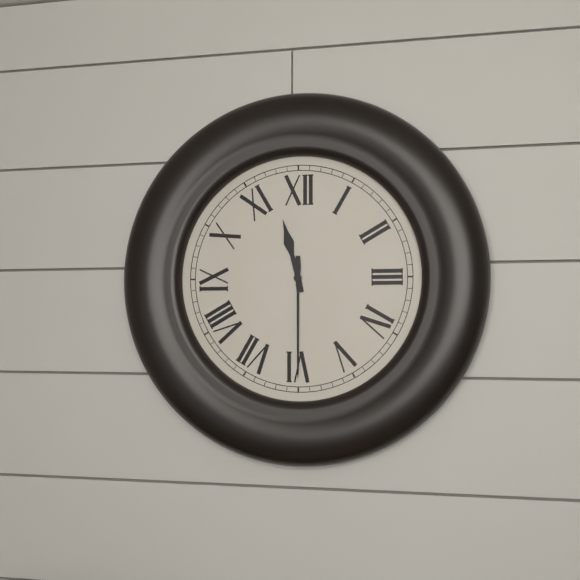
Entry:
11.30
